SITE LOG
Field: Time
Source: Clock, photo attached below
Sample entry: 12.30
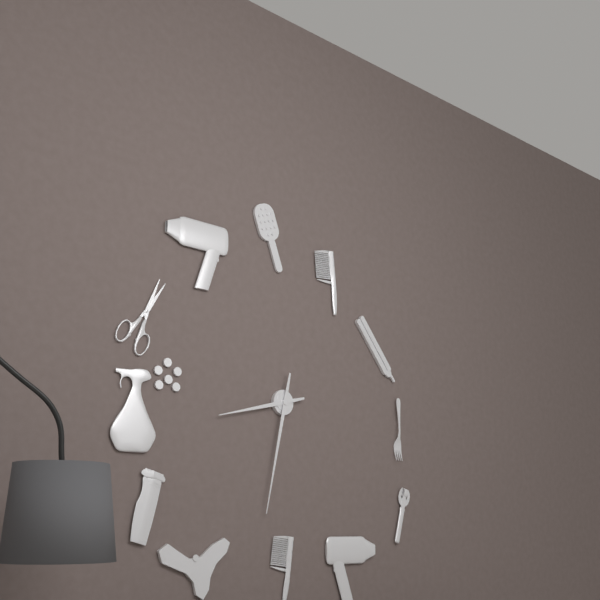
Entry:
8.32
